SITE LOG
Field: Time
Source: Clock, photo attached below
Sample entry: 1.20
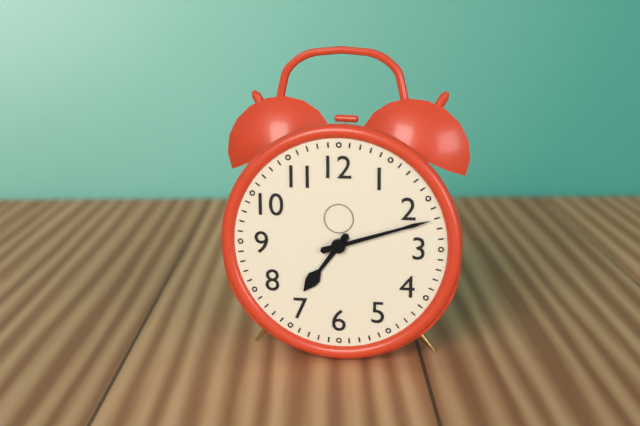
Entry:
7.12
